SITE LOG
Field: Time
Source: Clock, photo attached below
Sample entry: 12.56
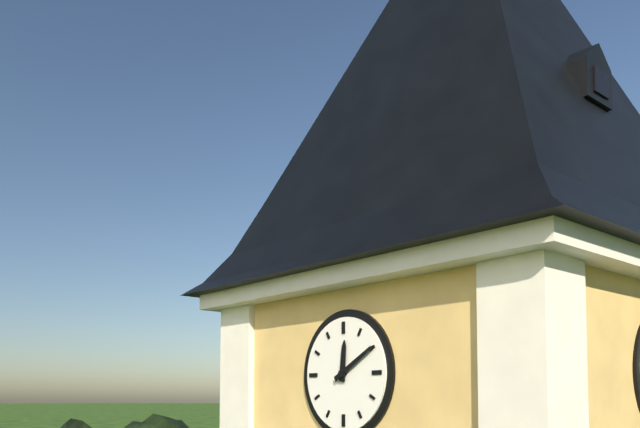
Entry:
12.10
